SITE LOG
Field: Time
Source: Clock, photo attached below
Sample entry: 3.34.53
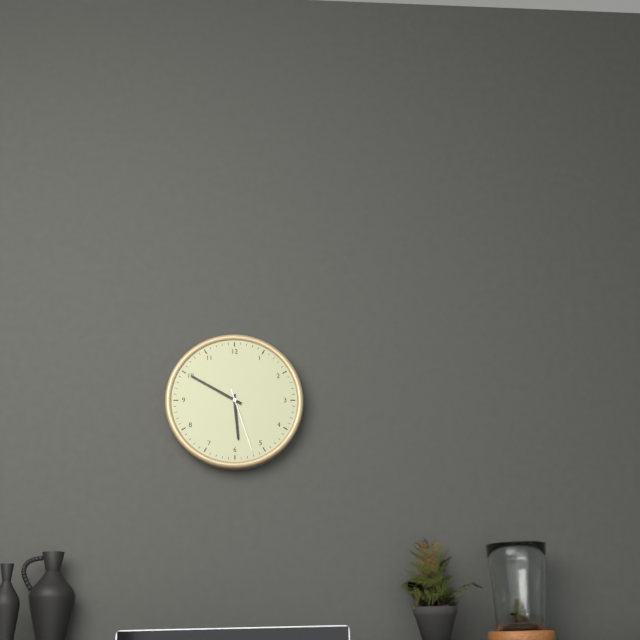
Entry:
5.50.27
